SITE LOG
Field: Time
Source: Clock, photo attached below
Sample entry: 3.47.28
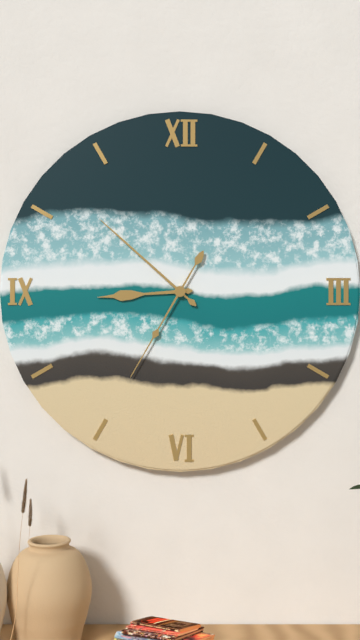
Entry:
8.52.35
